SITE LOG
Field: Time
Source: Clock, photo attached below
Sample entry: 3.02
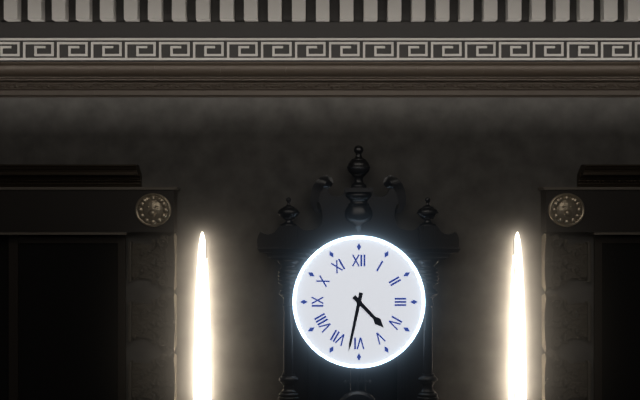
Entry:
4.32
